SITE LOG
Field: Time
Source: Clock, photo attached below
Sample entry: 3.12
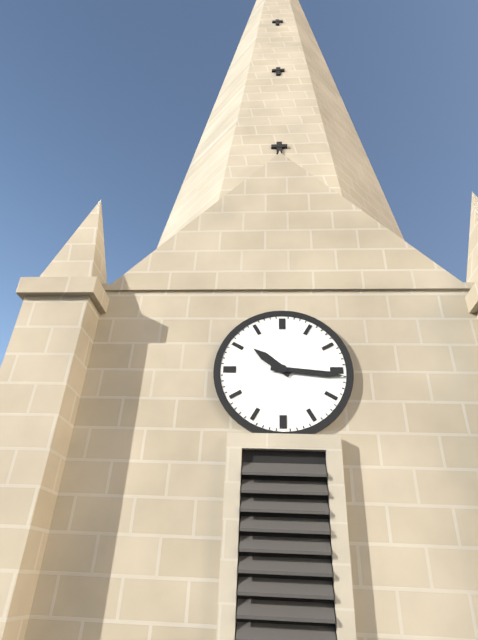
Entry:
10.16
